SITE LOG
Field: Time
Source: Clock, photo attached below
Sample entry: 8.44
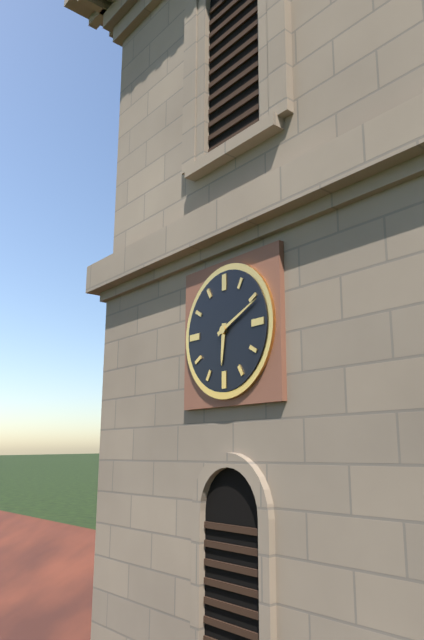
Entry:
6.11
